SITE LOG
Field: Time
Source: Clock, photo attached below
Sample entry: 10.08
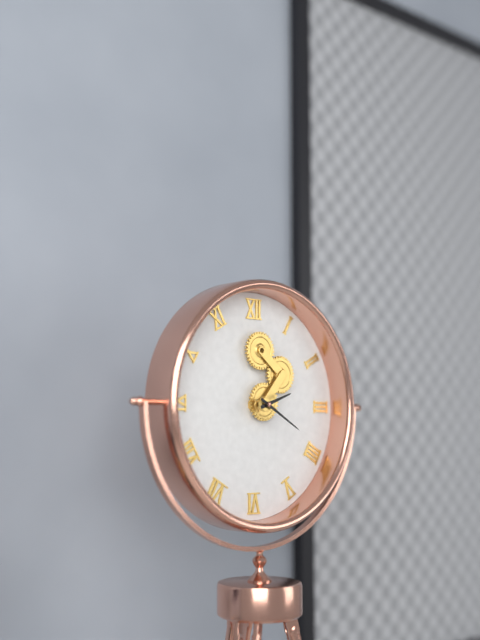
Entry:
2.20
